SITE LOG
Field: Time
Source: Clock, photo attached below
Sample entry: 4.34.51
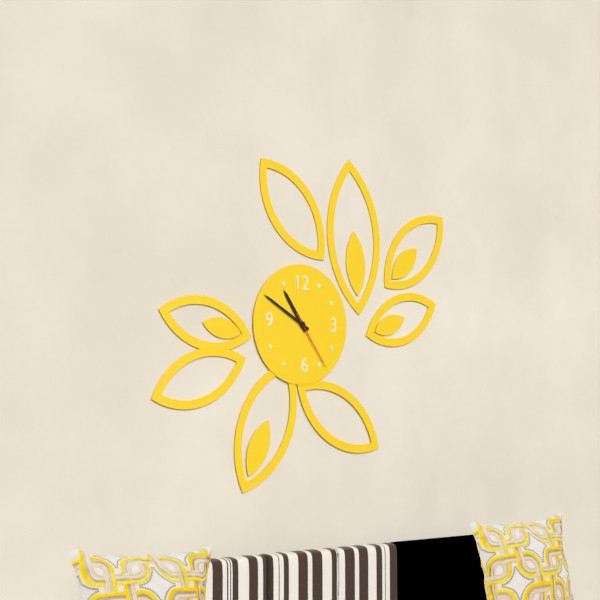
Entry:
10.50.24
